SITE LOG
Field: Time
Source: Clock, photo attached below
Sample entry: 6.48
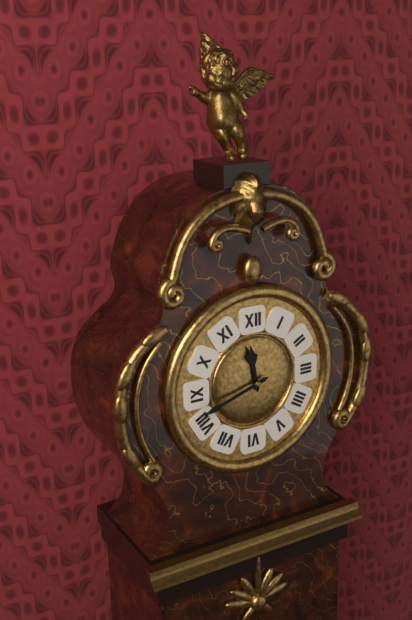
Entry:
11.42
